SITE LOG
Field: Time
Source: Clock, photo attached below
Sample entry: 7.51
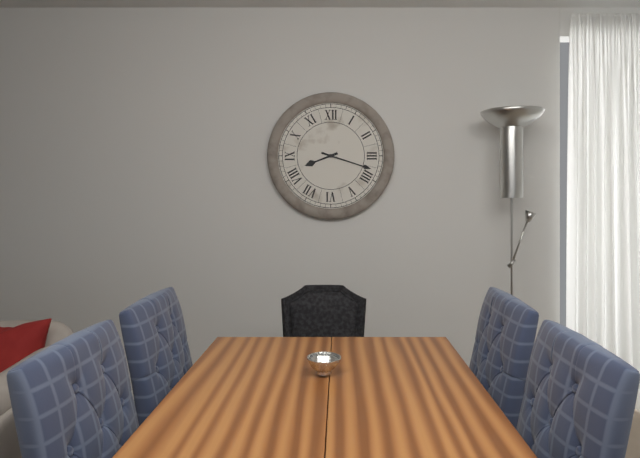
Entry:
8.18
